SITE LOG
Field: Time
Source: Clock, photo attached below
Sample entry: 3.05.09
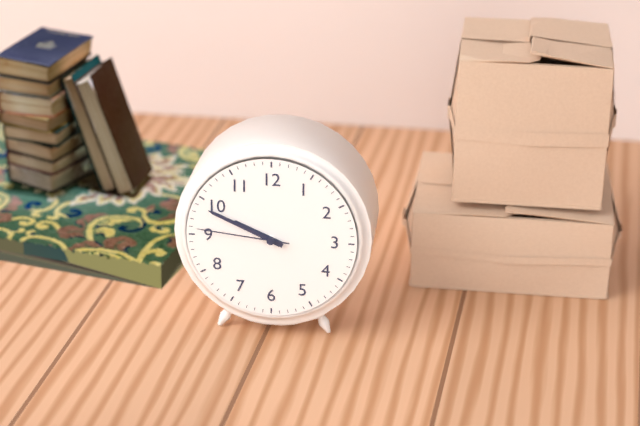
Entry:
9.49.46
